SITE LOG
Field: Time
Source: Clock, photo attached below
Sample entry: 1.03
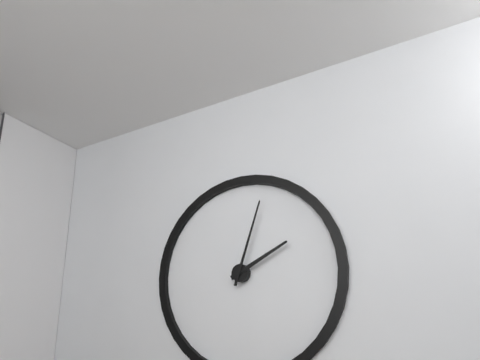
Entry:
2.03
